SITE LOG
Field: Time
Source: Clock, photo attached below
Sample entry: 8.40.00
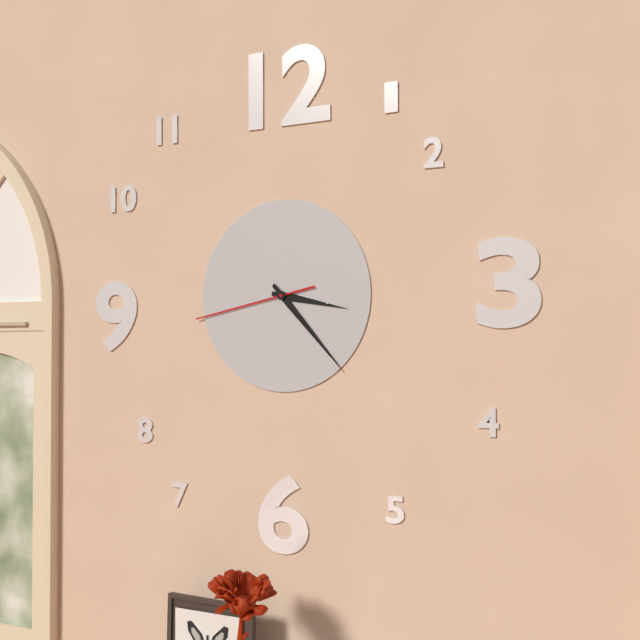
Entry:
3.23.43
